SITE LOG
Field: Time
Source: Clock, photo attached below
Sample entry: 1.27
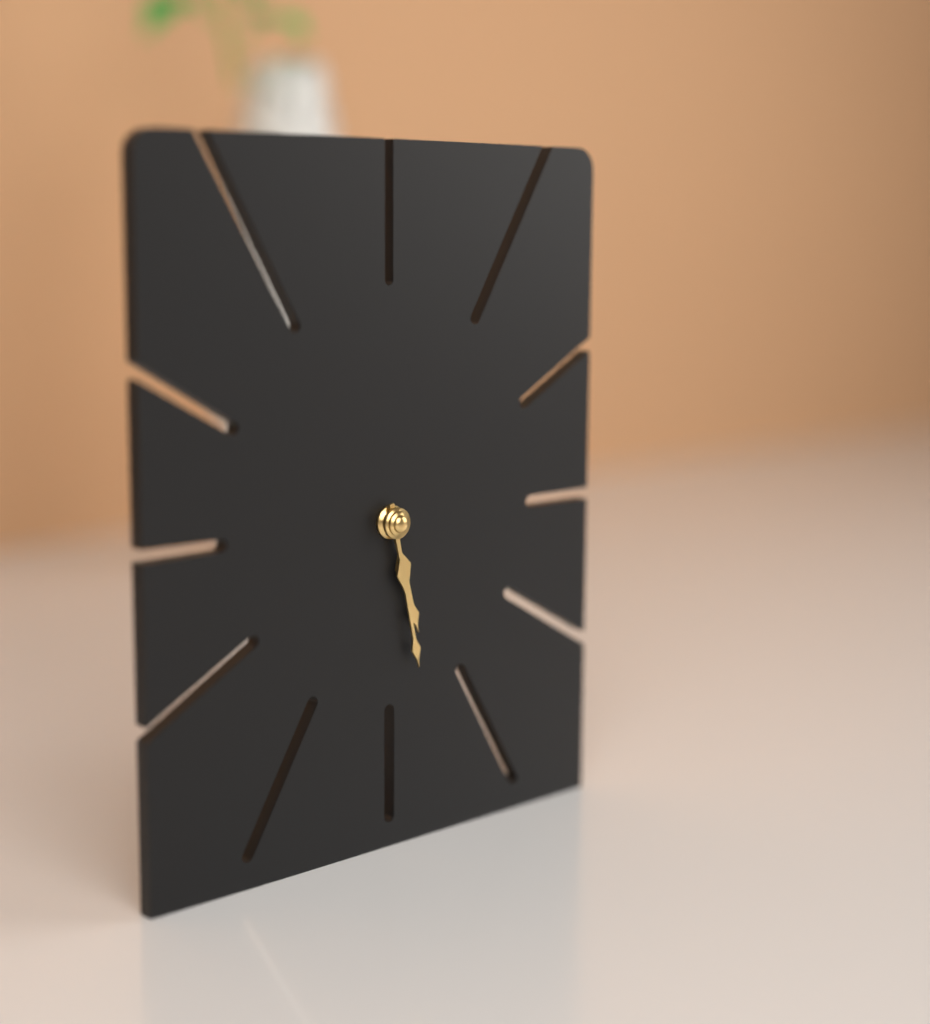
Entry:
5.28
